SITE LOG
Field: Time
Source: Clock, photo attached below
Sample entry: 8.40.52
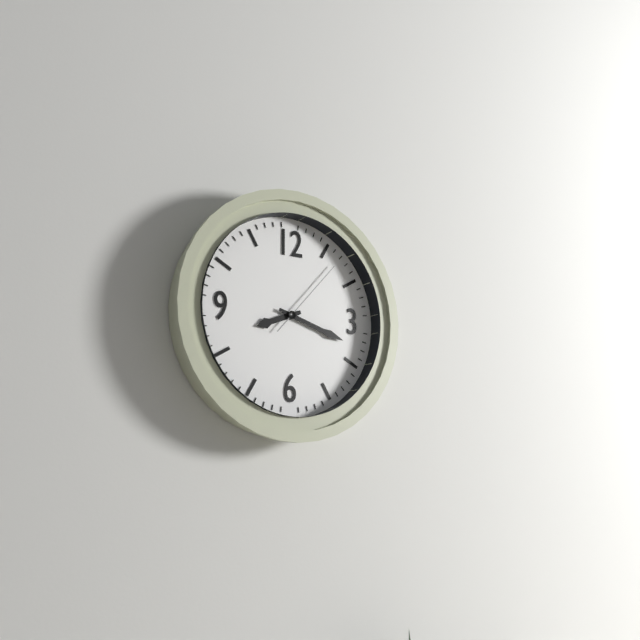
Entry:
8.18.07
